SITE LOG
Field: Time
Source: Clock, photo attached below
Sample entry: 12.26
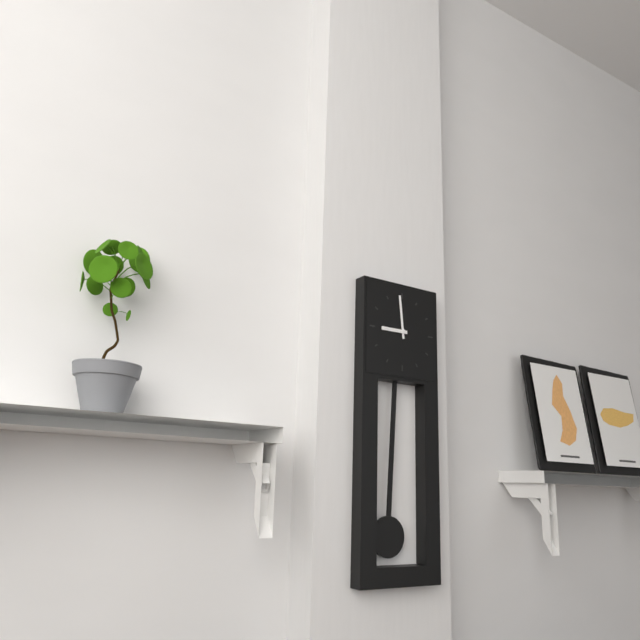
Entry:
8.59
